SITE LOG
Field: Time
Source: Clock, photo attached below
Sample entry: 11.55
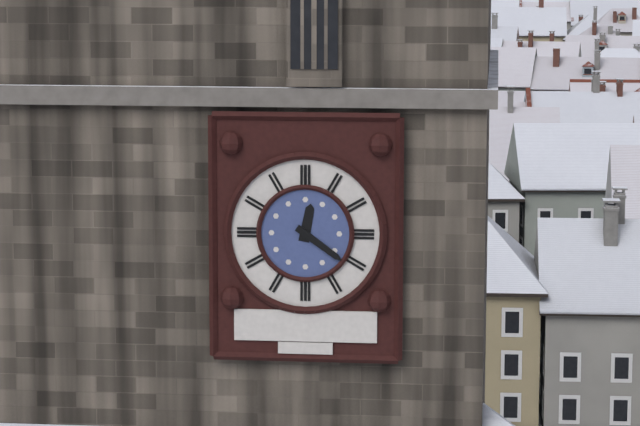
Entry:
12.21
